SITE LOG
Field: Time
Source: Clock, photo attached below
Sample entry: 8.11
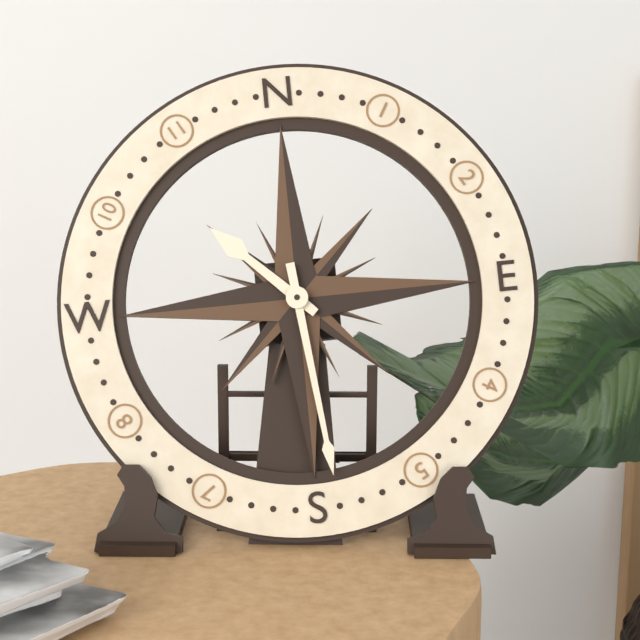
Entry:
10.29
